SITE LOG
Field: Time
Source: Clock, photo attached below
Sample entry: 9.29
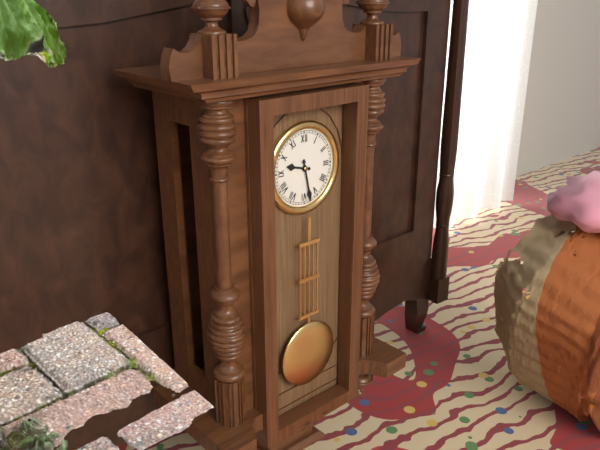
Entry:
9.28
